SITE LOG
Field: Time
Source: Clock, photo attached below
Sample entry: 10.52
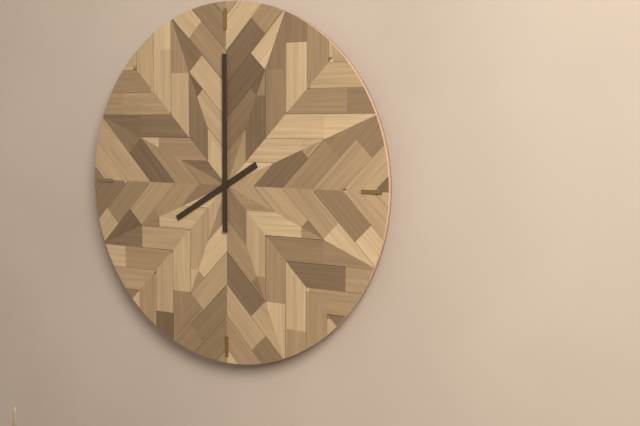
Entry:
8.00
